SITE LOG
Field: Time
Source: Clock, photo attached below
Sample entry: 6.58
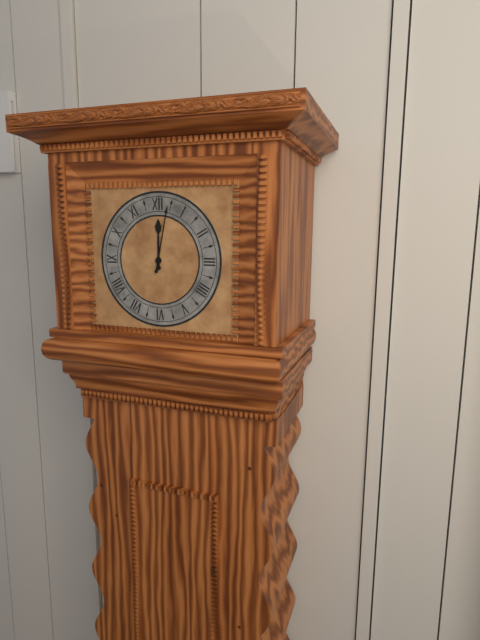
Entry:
12.02
